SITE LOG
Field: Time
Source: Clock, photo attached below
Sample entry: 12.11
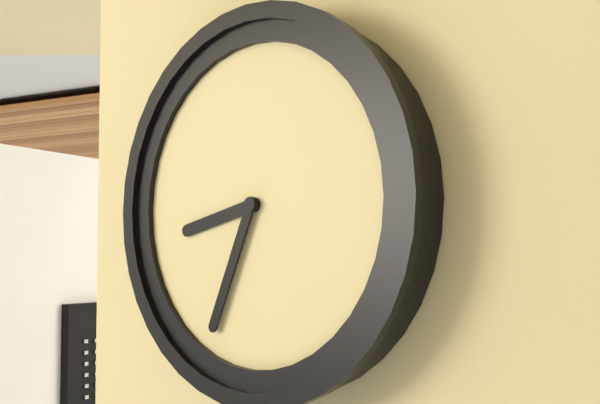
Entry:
8.34
